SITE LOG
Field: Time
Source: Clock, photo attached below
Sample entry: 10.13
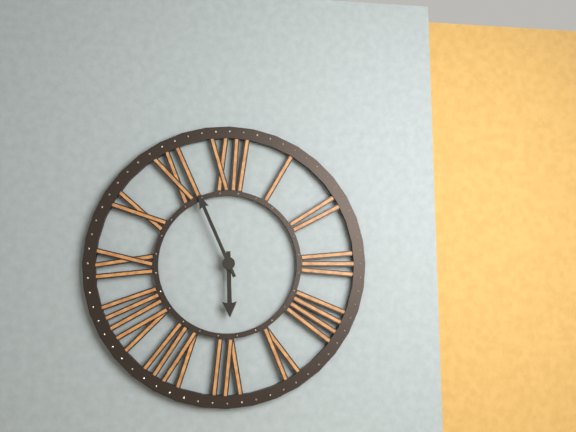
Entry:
5.56
